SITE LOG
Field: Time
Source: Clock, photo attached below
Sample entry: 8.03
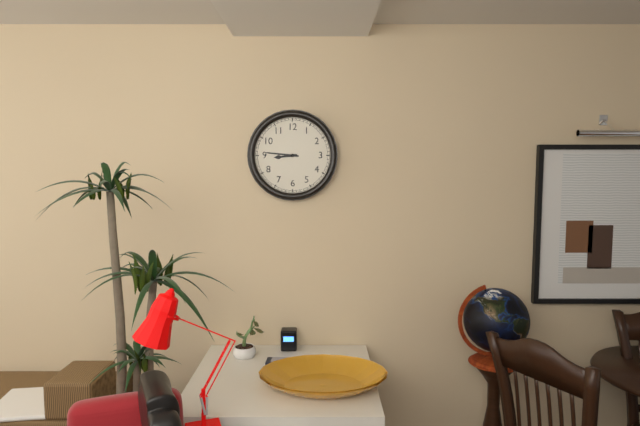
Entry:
8.46
